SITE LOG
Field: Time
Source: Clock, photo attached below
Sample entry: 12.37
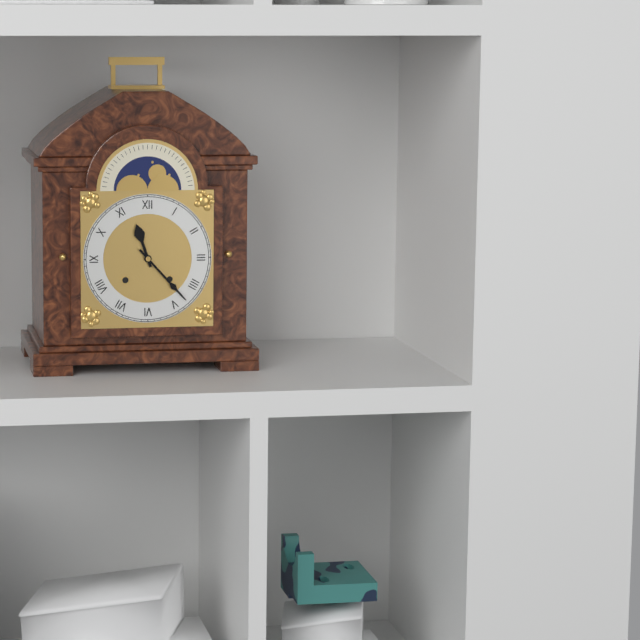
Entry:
11.23
